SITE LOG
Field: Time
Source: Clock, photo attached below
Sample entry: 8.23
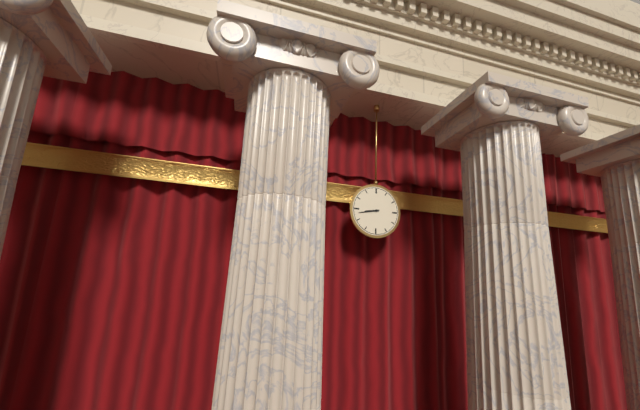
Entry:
8.43
